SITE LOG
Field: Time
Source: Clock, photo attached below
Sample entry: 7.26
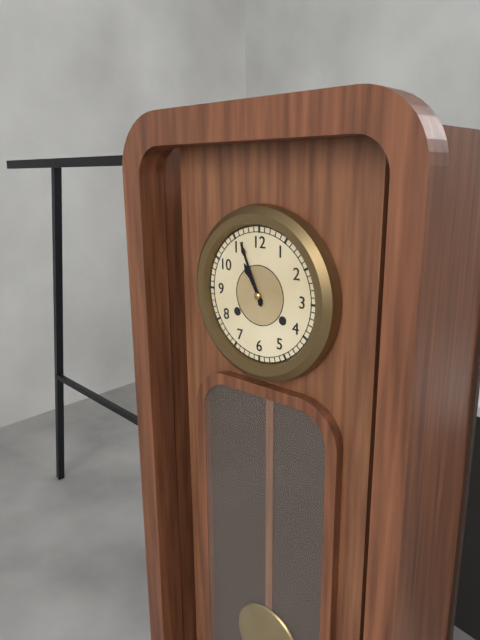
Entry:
10.56
